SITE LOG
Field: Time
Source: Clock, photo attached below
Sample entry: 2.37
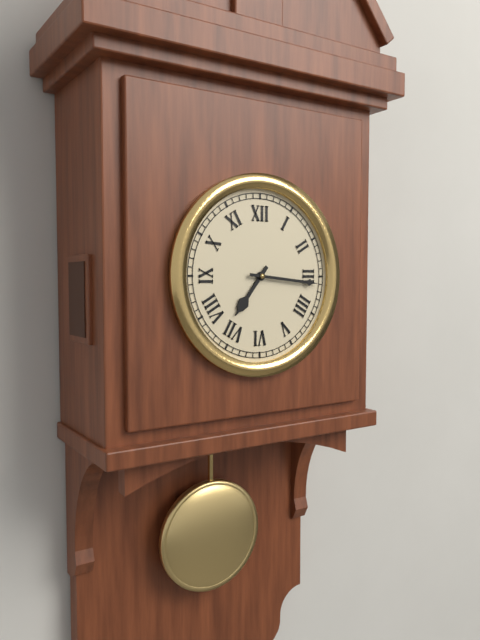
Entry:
7.16
